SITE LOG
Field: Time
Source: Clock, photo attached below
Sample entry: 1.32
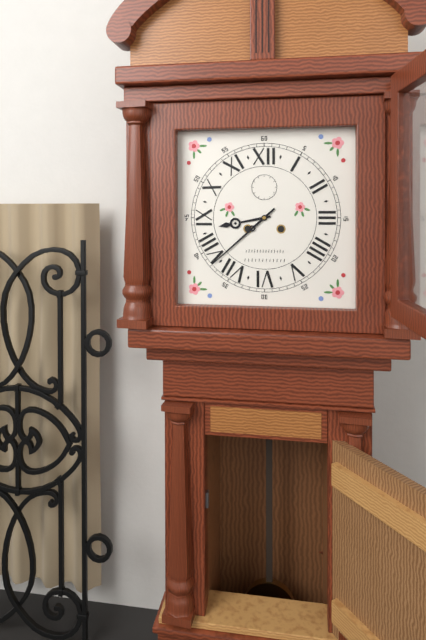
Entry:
8.38
